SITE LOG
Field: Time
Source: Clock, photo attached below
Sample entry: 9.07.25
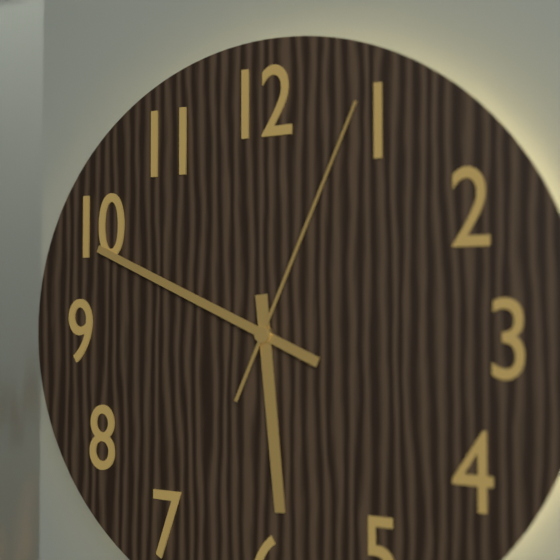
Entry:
5.49.04
